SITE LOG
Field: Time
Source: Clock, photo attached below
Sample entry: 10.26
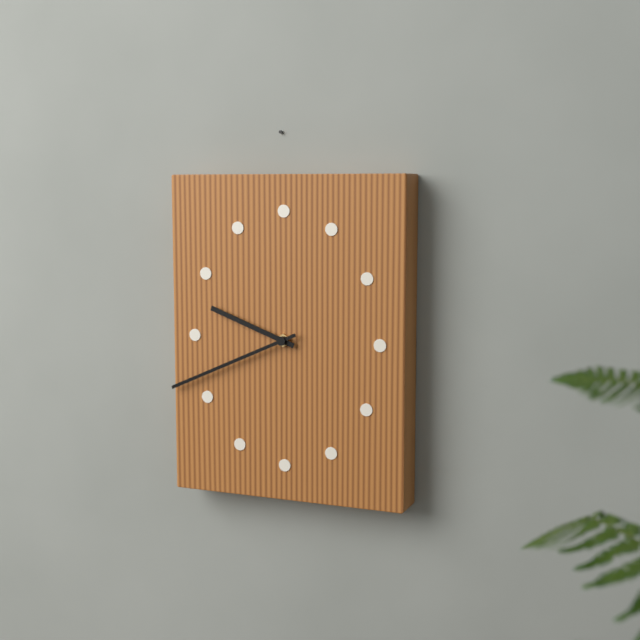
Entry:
9.41
